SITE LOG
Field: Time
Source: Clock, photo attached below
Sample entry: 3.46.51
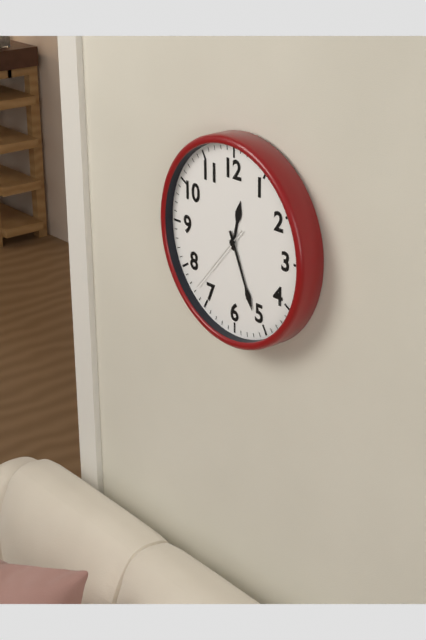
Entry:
12.26.37
